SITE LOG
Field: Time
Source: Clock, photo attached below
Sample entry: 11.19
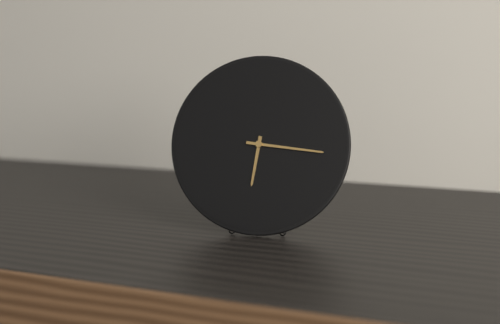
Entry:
6.16
